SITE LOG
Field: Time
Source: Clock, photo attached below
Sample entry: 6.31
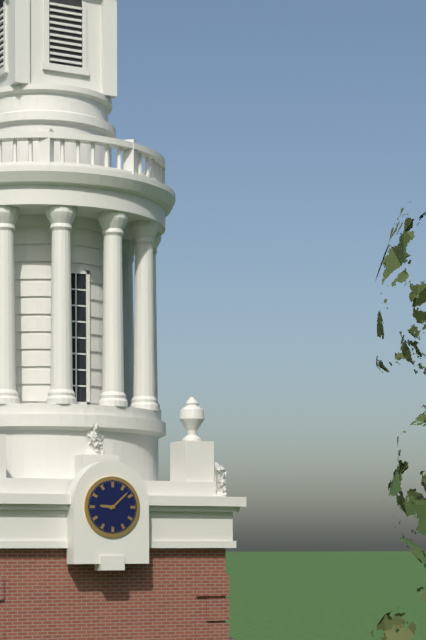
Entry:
9.08
